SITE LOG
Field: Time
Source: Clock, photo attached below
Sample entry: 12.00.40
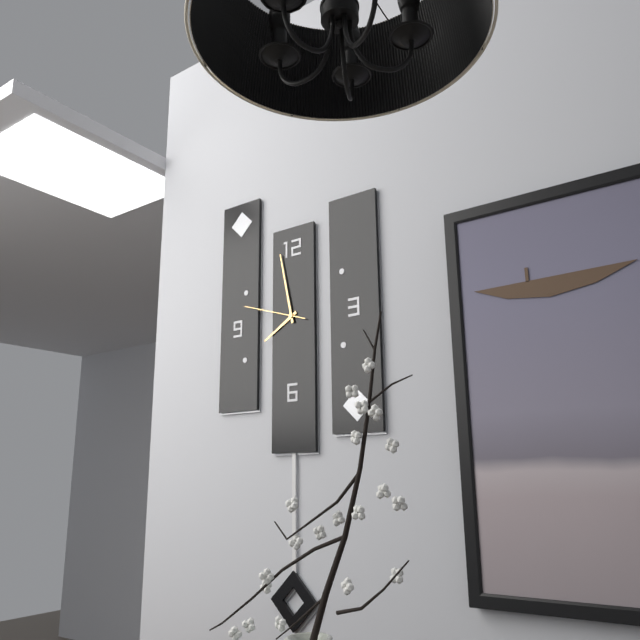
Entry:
7.58.48
